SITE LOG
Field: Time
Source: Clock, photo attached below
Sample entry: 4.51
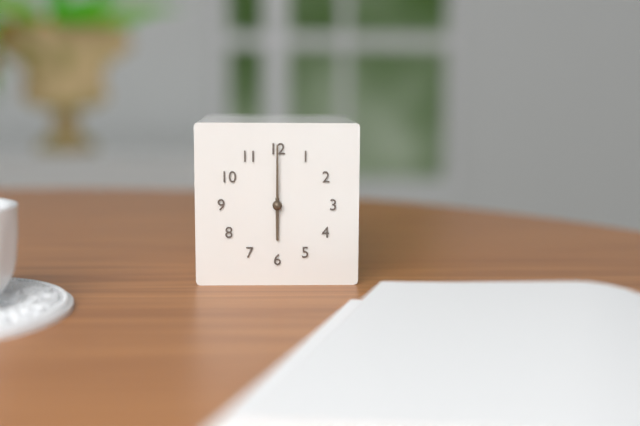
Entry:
6.00
